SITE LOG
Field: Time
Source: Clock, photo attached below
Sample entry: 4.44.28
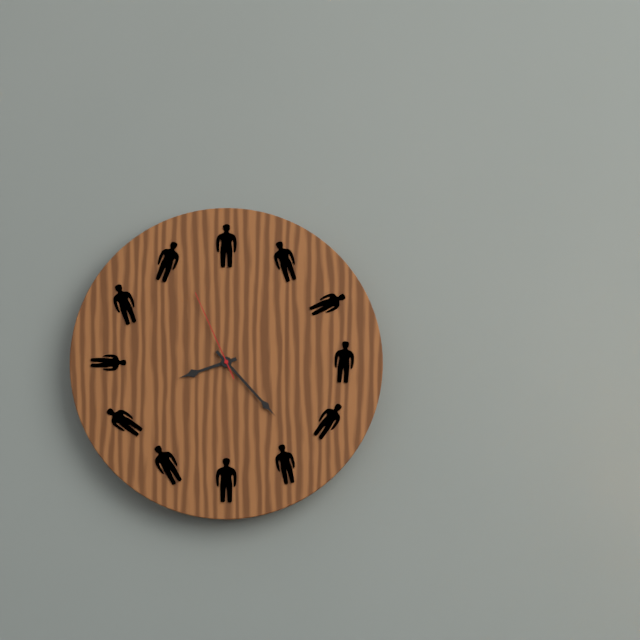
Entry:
8.23.56
